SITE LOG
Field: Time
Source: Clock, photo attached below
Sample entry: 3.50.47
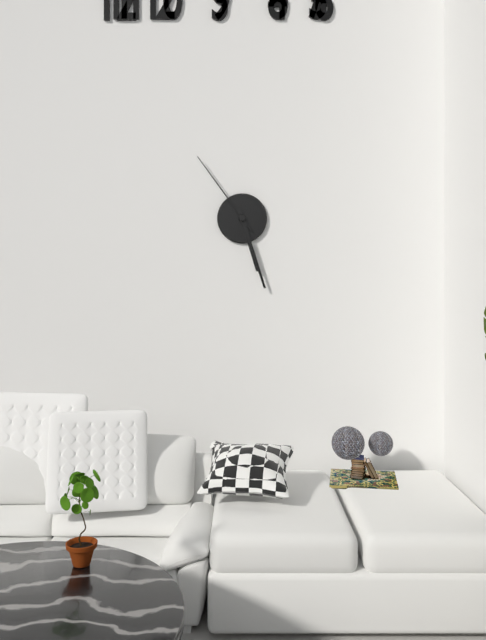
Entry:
5.27.54
